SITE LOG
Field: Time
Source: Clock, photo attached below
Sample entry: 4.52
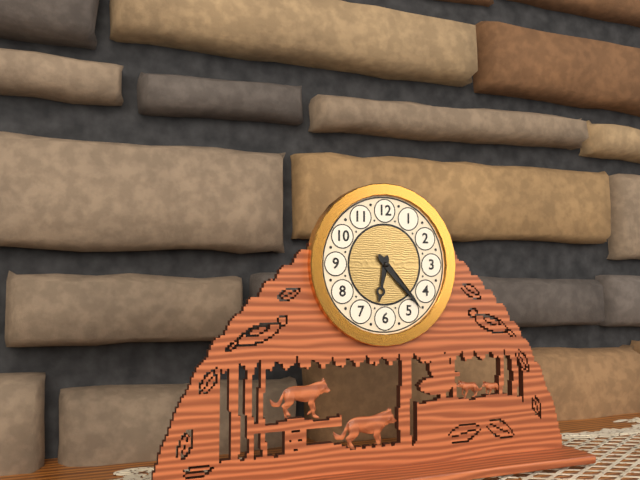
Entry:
6.23
